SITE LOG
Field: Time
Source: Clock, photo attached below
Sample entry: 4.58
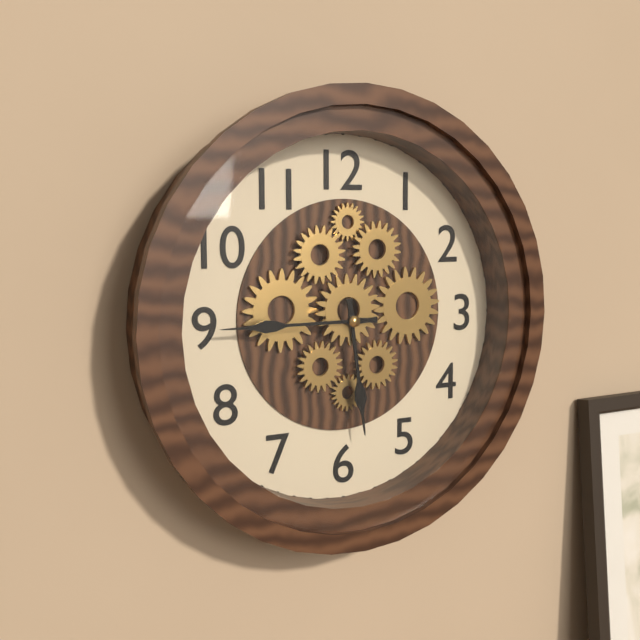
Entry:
5.45
